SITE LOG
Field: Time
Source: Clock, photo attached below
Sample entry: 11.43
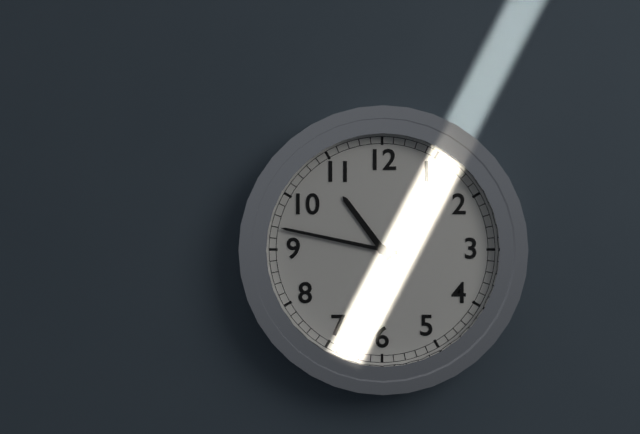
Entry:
10.47
